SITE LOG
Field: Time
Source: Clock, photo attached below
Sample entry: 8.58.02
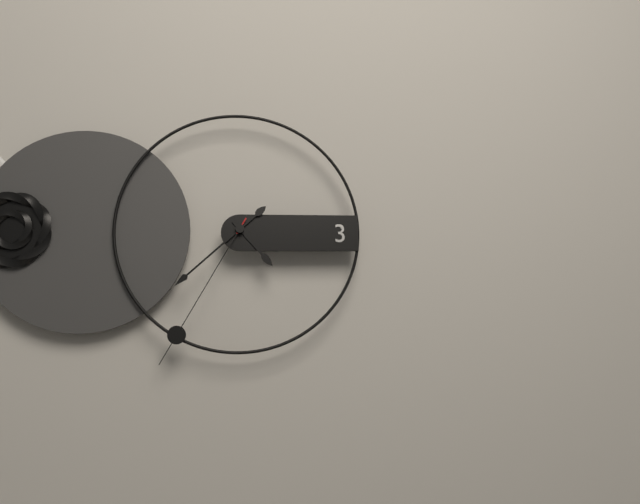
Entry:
4.38.35
